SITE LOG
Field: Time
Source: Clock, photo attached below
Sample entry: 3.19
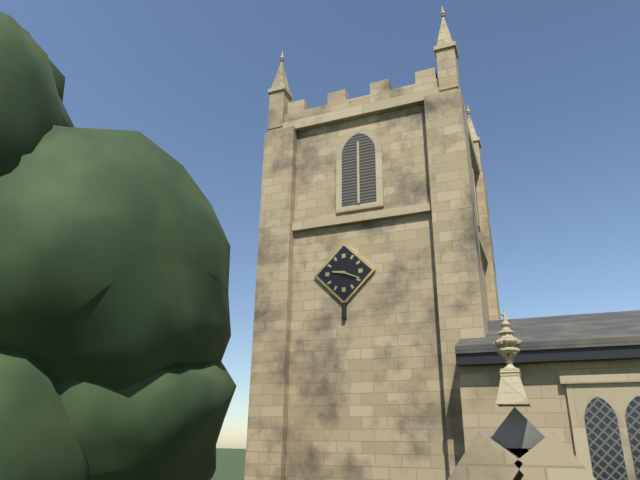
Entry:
9.19
